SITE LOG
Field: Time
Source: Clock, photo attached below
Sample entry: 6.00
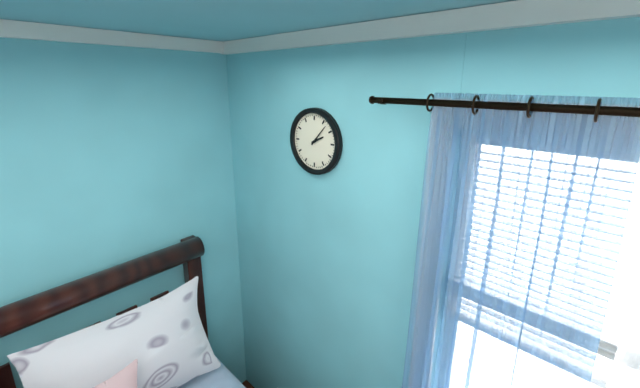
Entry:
2.07
